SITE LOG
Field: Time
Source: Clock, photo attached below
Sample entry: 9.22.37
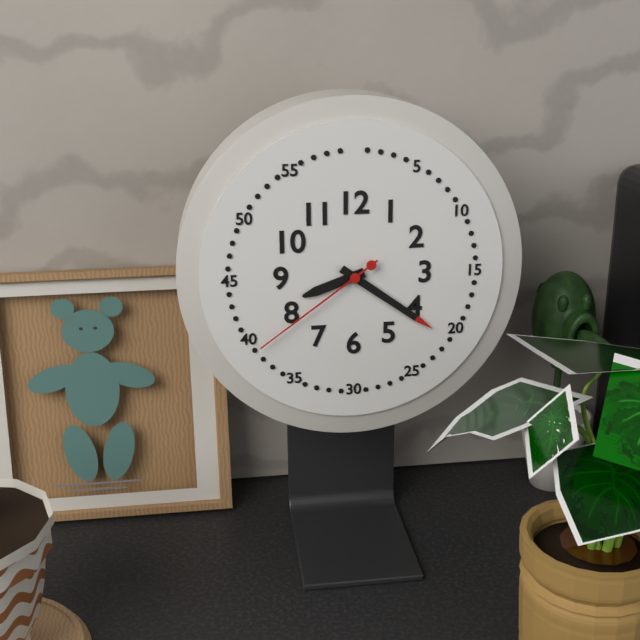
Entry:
8.21.39
